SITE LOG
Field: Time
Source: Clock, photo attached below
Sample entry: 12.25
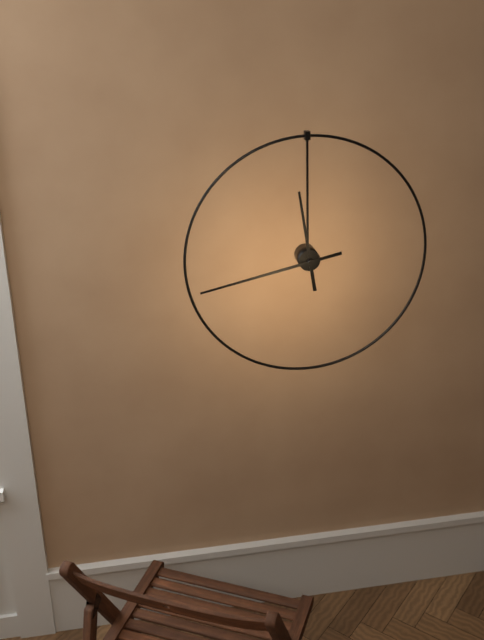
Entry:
11.43
